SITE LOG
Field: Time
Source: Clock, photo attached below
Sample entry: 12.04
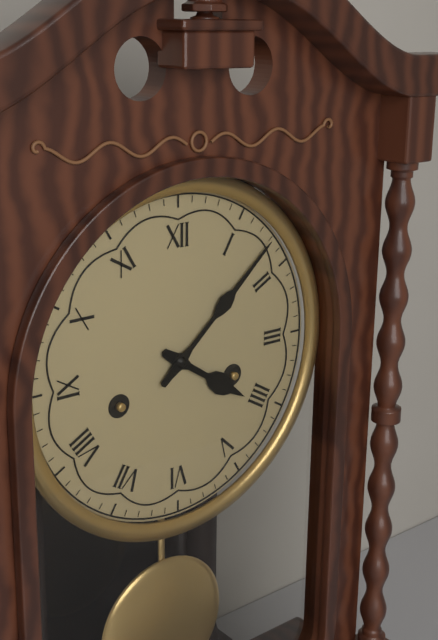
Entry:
4.08
